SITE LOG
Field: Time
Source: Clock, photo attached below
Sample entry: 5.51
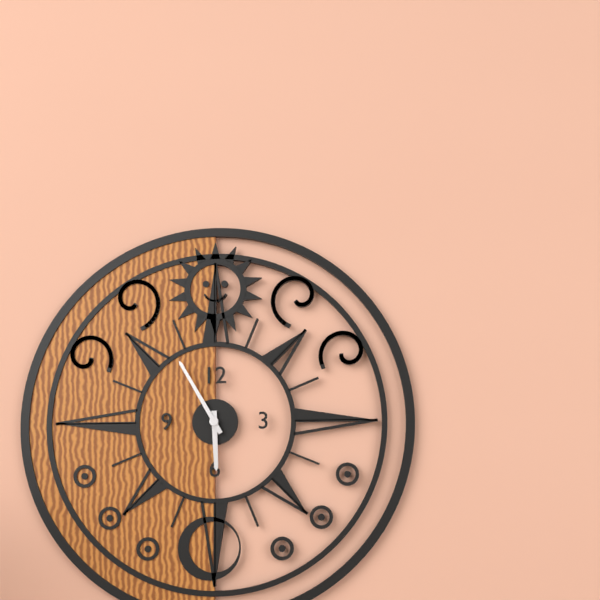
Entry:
5.55
